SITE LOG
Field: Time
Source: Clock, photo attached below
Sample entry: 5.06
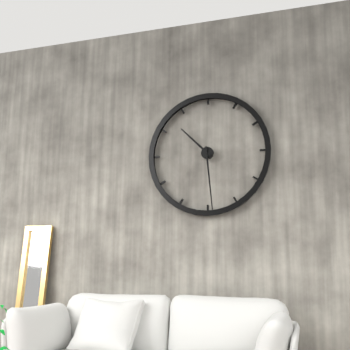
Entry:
10.29
